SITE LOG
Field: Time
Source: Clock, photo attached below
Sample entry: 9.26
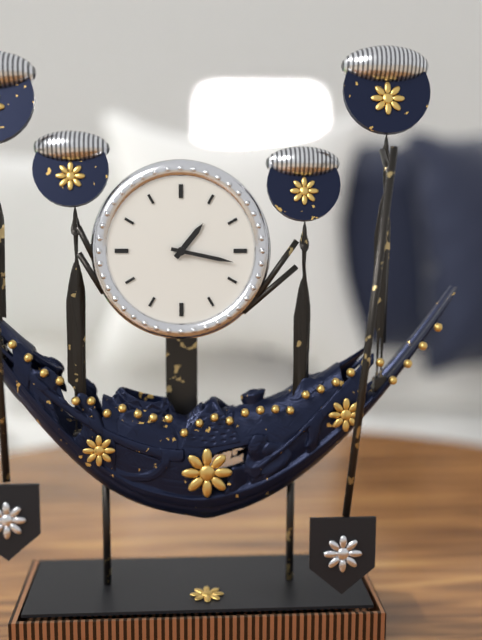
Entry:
1.17
